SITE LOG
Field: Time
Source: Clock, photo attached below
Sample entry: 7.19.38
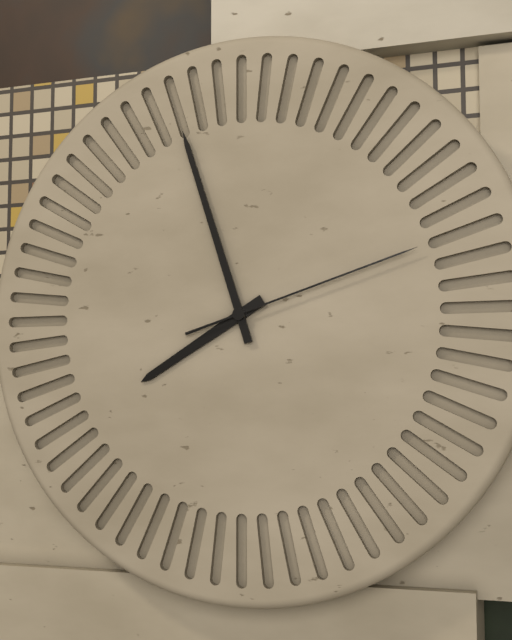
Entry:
7.57.12
